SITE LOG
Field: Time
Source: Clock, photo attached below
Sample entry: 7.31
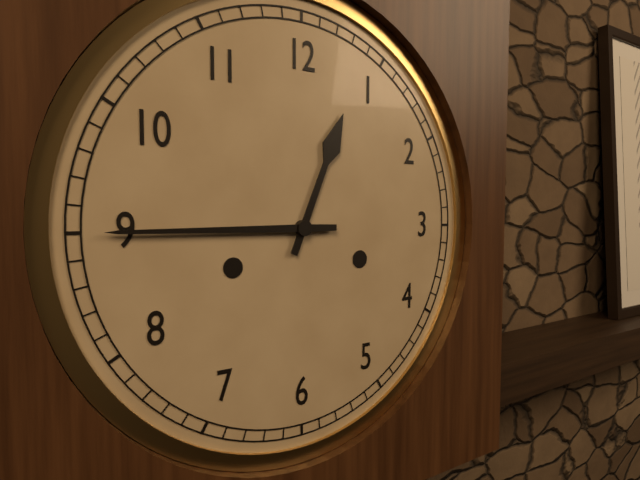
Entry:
12.45
